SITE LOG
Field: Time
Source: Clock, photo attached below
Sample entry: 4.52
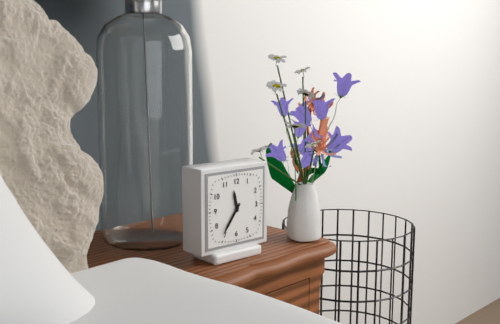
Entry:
11.36
